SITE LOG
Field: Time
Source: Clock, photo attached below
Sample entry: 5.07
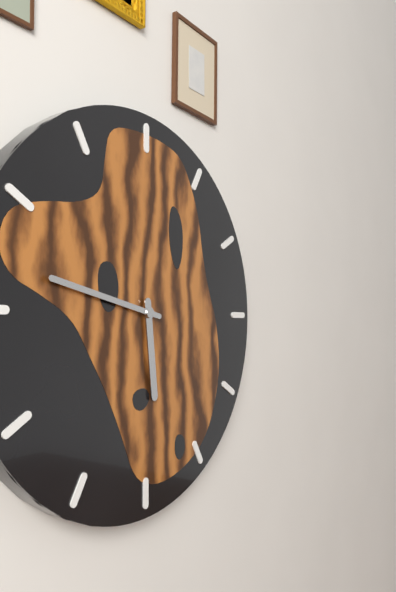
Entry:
5.47
